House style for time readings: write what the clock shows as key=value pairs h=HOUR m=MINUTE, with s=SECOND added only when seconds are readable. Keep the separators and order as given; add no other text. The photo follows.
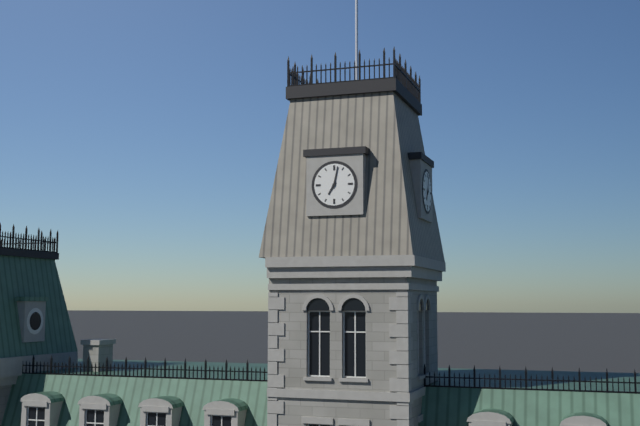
h=7 m=2
